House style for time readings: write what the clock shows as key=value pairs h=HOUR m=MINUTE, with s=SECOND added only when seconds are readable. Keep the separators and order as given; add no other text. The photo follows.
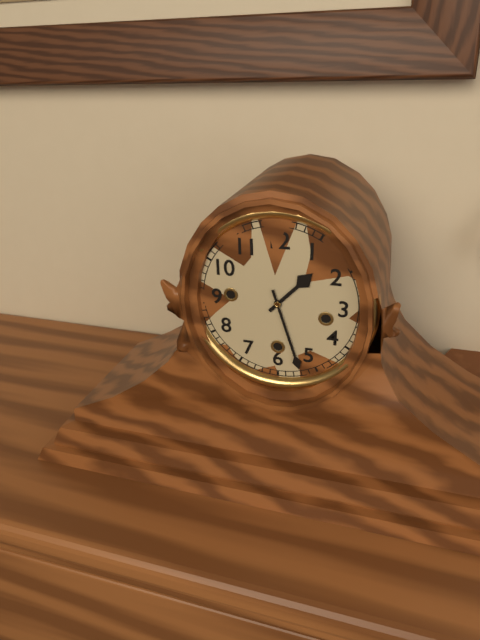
h=1 m=27
